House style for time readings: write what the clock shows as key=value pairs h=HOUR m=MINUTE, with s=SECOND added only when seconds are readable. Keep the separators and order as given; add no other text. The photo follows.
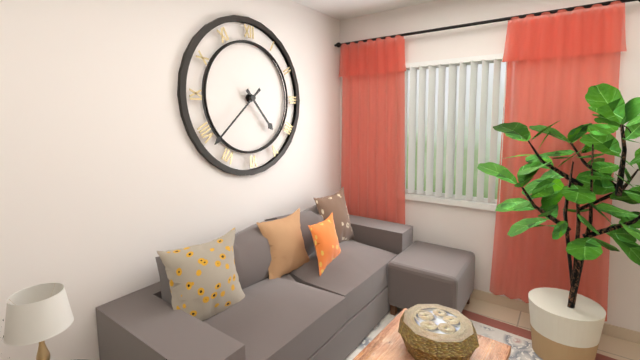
h=4 m=38
